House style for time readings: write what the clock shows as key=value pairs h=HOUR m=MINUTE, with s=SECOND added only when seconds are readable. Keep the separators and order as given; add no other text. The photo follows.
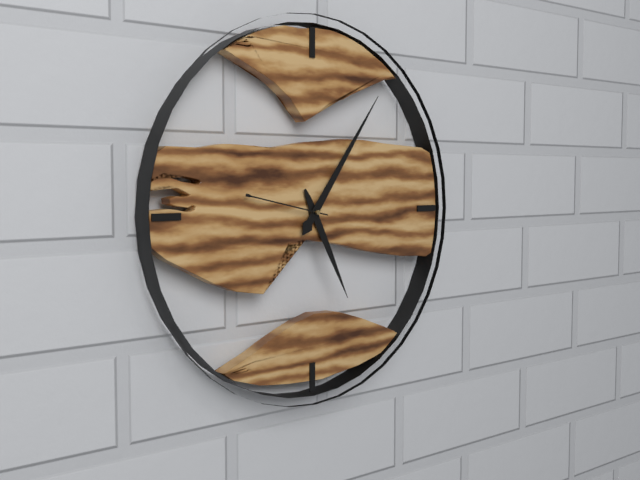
h=5 m=6 s=47
